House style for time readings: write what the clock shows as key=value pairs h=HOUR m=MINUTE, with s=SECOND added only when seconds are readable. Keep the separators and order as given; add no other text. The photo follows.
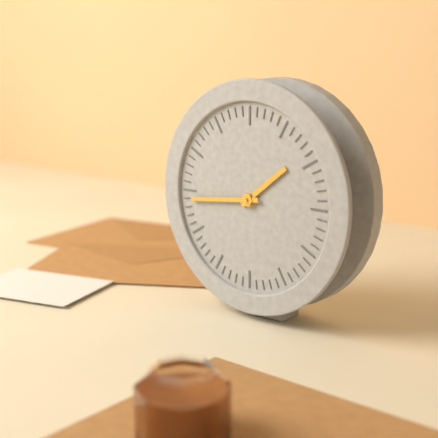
h=1 m=44
